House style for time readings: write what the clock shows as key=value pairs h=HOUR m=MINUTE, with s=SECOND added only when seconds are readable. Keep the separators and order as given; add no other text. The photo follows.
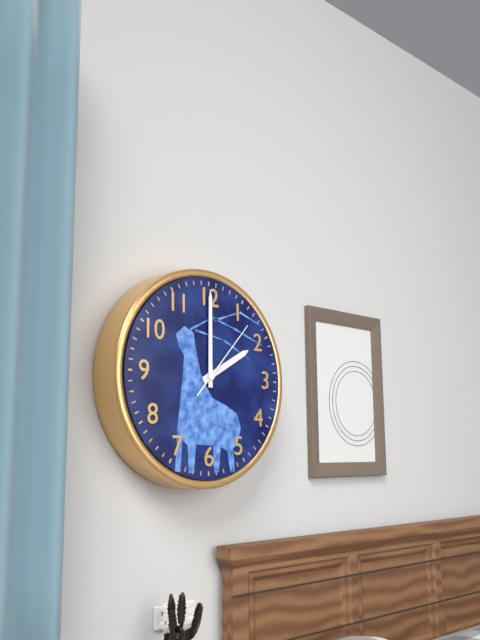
h=2 m=0 s=7
